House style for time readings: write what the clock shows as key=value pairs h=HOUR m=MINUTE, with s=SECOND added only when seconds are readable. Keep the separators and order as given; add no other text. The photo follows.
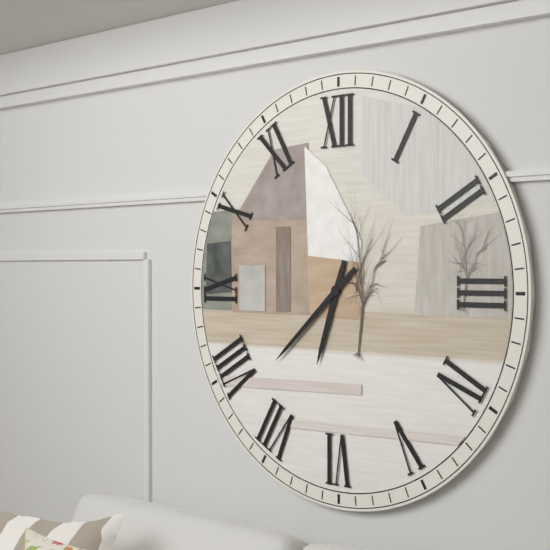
h=6 m=38
